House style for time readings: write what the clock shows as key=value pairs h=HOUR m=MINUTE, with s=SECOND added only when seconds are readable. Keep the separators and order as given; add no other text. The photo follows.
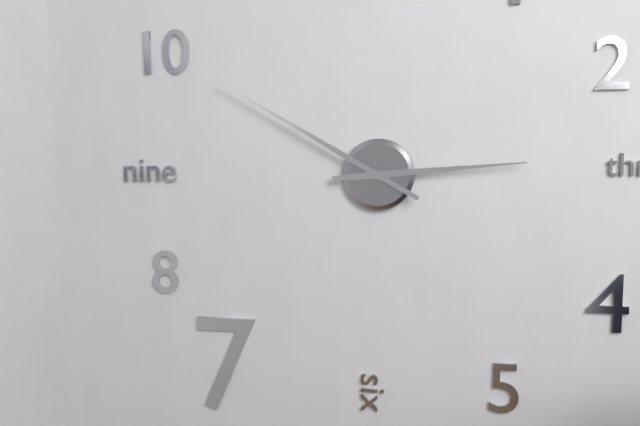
h=2 m=50
